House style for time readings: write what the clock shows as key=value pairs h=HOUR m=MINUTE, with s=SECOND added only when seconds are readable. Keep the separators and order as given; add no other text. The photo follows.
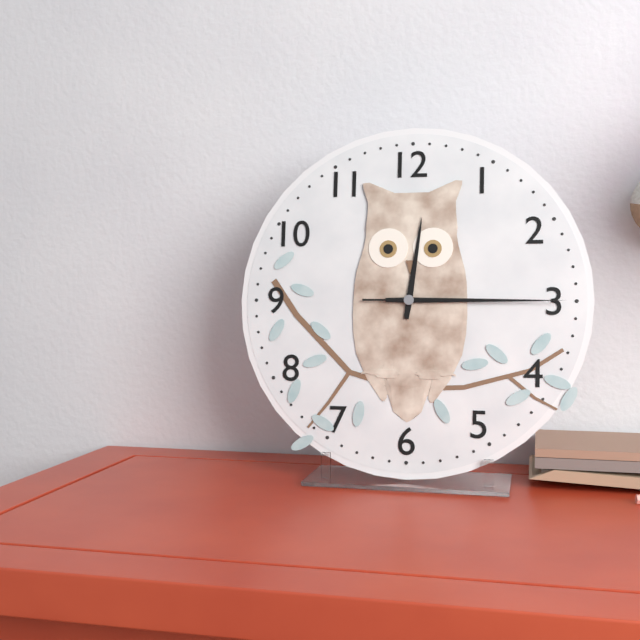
h=12 m=15 s=15
